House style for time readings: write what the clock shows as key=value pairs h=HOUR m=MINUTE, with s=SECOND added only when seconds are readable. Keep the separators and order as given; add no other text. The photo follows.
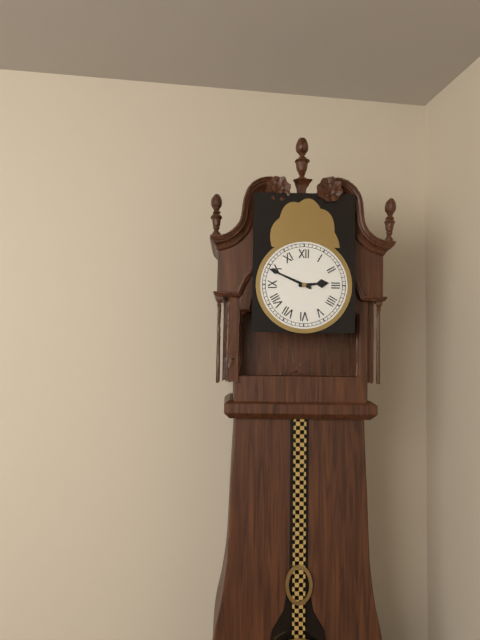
h=2 m=49
